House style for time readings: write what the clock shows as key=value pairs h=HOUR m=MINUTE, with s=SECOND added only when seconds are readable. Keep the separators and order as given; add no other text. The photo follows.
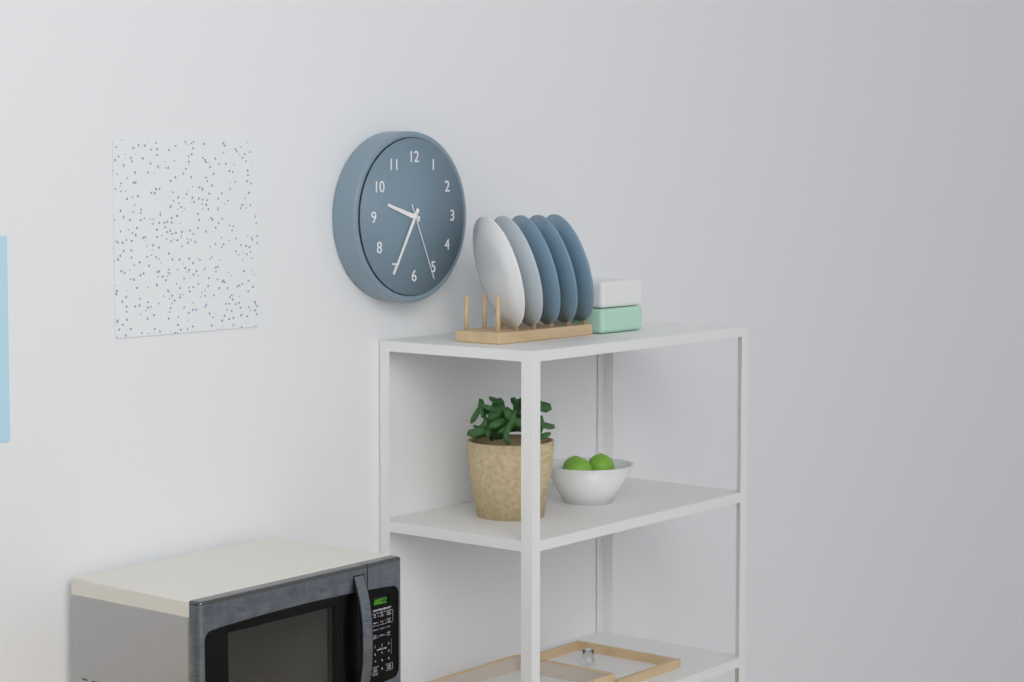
h=9 m=35 s=26
